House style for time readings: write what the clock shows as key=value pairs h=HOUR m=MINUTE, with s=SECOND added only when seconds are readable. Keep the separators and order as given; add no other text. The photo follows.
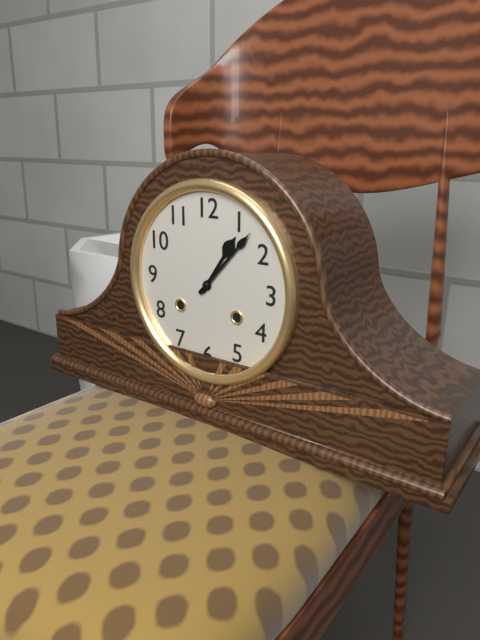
h=1 m=7
